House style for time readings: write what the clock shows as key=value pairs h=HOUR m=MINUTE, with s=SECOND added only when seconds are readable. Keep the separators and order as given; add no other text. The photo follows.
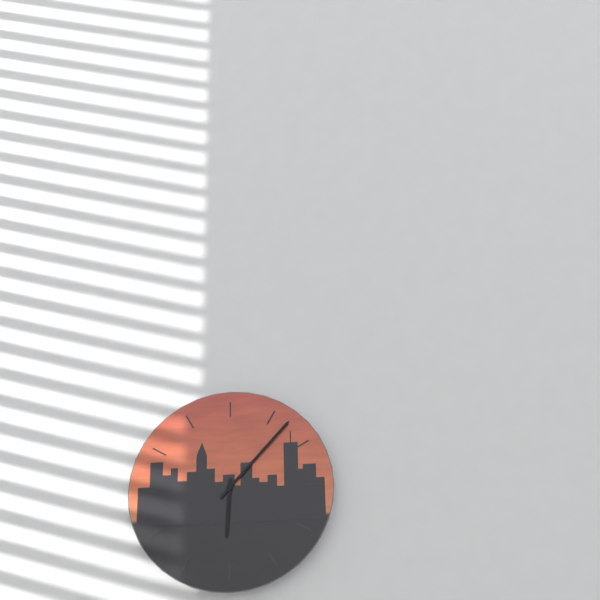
h=6 m=7
